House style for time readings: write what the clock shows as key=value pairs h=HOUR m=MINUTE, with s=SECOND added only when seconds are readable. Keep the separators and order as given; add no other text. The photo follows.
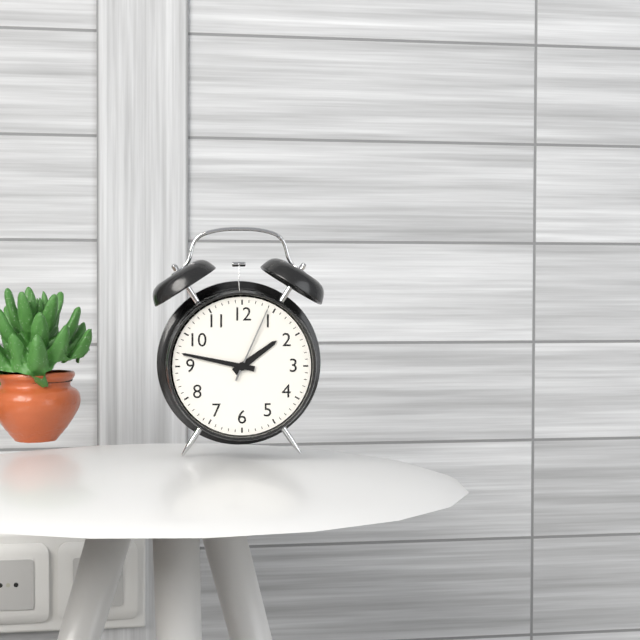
h=1 m=47 s=4
